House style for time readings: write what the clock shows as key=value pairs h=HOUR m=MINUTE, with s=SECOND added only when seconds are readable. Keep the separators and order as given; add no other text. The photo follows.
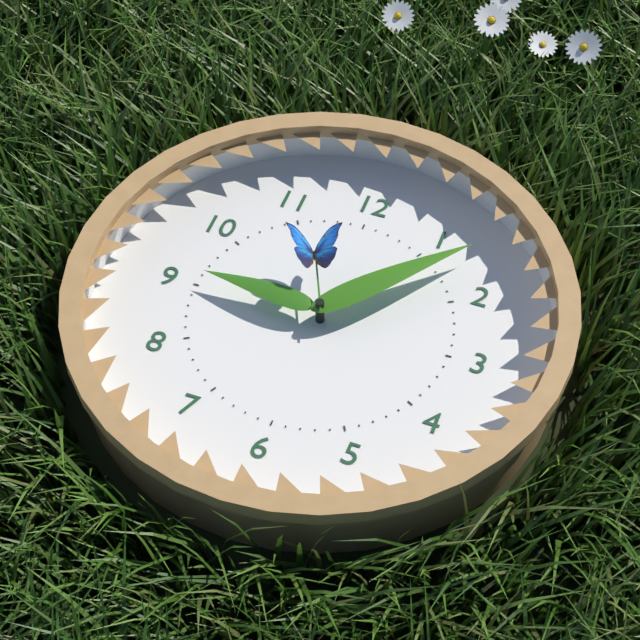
h=9 m=7 s=56
